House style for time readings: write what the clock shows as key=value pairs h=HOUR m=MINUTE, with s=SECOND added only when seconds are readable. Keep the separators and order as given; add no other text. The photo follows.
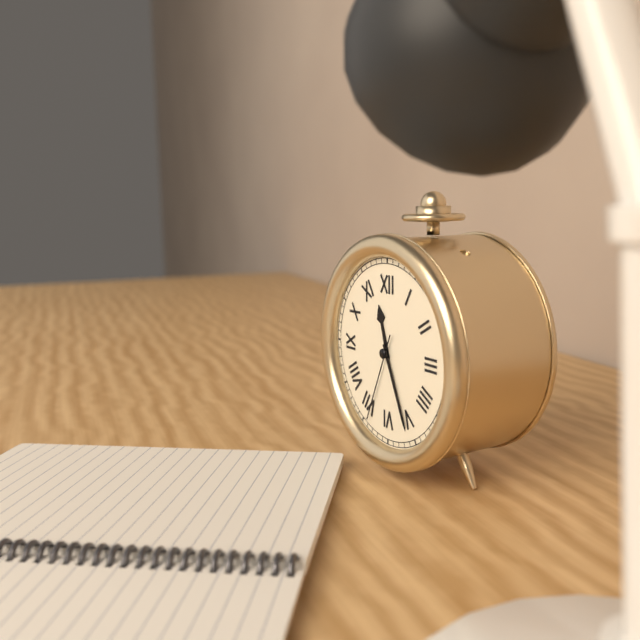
h=11 m=26 s=34
